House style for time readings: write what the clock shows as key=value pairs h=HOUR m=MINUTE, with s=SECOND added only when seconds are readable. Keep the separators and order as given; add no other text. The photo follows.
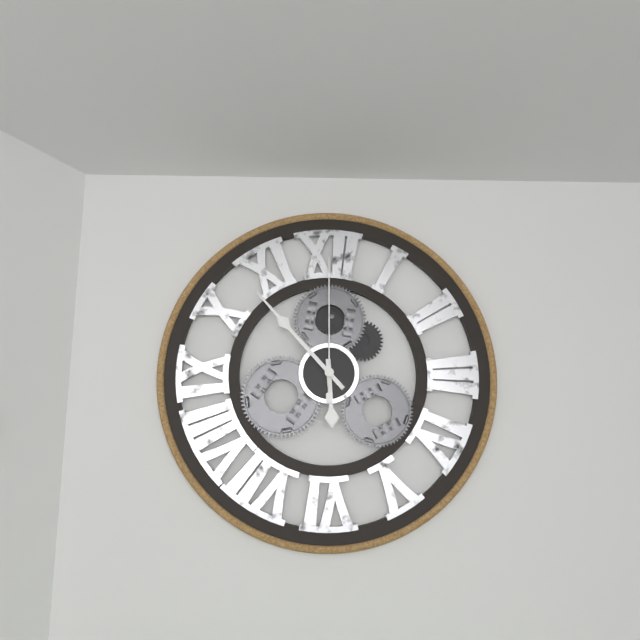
h=5 m=53 s=0
